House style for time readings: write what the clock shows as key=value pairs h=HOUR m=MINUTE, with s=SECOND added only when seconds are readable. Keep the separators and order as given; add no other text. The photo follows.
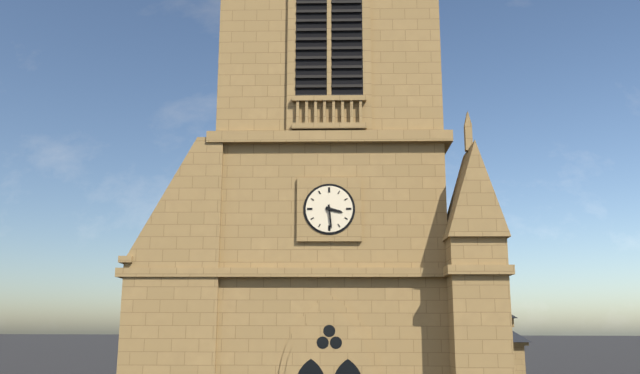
h=3 m=29
